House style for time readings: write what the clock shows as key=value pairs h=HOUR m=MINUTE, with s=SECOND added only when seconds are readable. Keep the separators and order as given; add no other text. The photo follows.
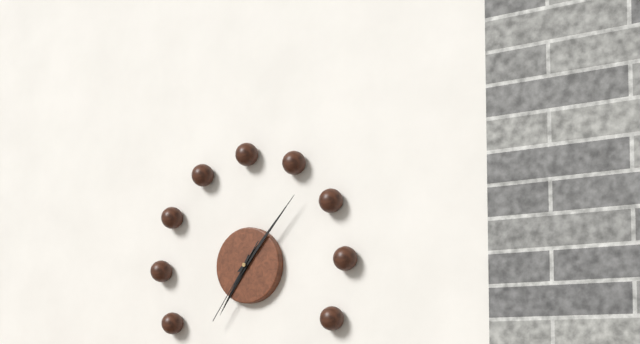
h=7 m=7 s=36
